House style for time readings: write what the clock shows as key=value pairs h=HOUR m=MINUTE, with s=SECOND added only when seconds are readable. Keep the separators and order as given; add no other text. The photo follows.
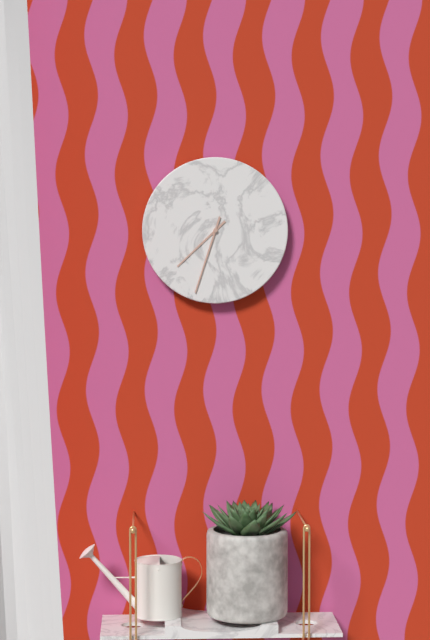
h=7 m=33
